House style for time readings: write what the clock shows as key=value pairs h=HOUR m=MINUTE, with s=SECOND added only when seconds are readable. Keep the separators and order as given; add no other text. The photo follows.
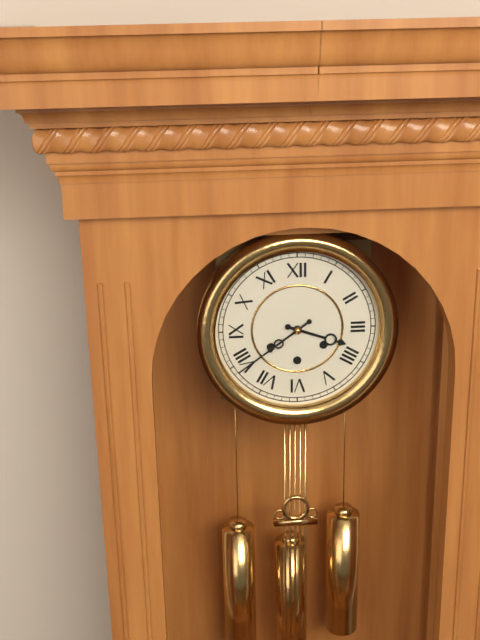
h=3 m=39
